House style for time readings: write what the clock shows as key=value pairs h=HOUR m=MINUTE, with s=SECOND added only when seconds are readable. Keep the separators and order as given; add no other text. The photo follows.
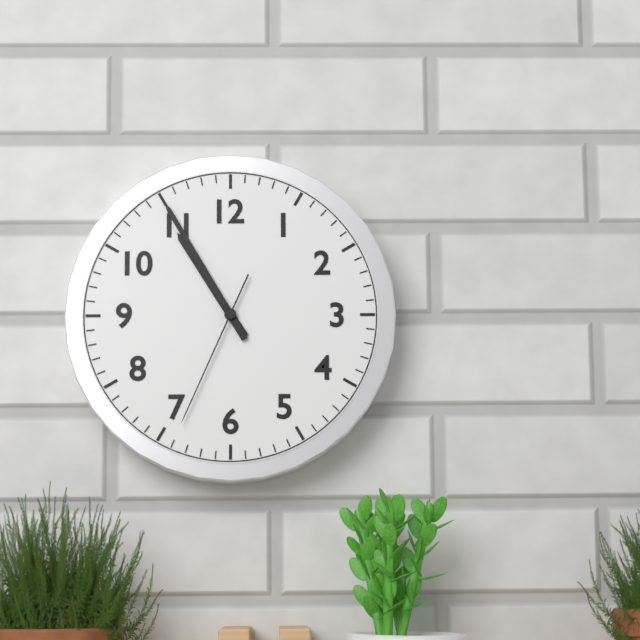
h=10 m=55 s=34
